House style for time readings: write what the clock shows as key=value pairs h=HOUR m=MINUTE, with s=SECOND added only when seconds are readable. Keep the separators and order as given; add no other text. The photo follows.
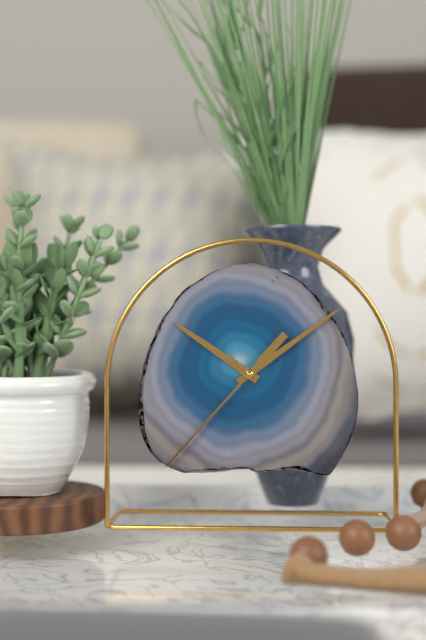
h=10 m=9 s=37
